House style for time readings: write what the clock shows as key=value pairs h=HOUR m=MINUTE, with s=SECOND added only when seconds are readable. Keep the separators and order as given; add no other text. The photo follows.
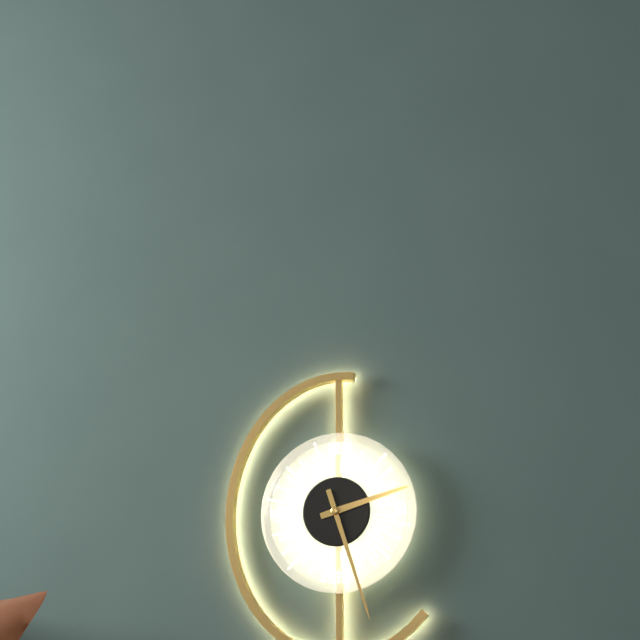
h=2 m=27
